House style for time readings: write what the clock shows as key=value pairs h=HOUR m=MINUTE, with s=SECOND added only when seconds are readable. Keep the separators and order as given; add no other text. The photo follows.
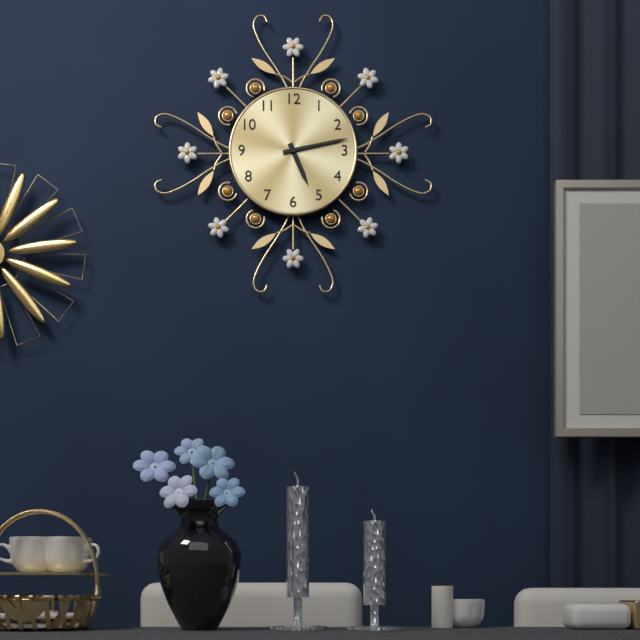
h=5 m=13
